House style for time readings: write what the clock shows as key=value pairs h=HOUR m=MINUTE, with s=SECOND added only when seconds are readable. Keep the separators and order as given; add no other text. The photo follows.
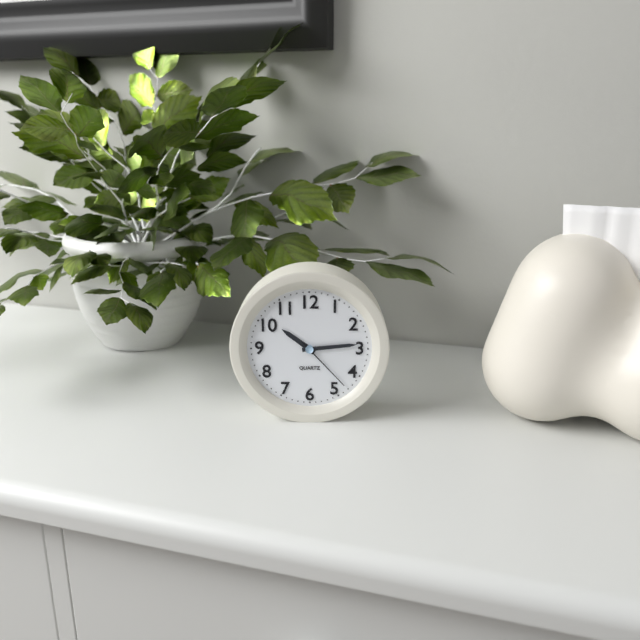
h=10 m=14 s=23
